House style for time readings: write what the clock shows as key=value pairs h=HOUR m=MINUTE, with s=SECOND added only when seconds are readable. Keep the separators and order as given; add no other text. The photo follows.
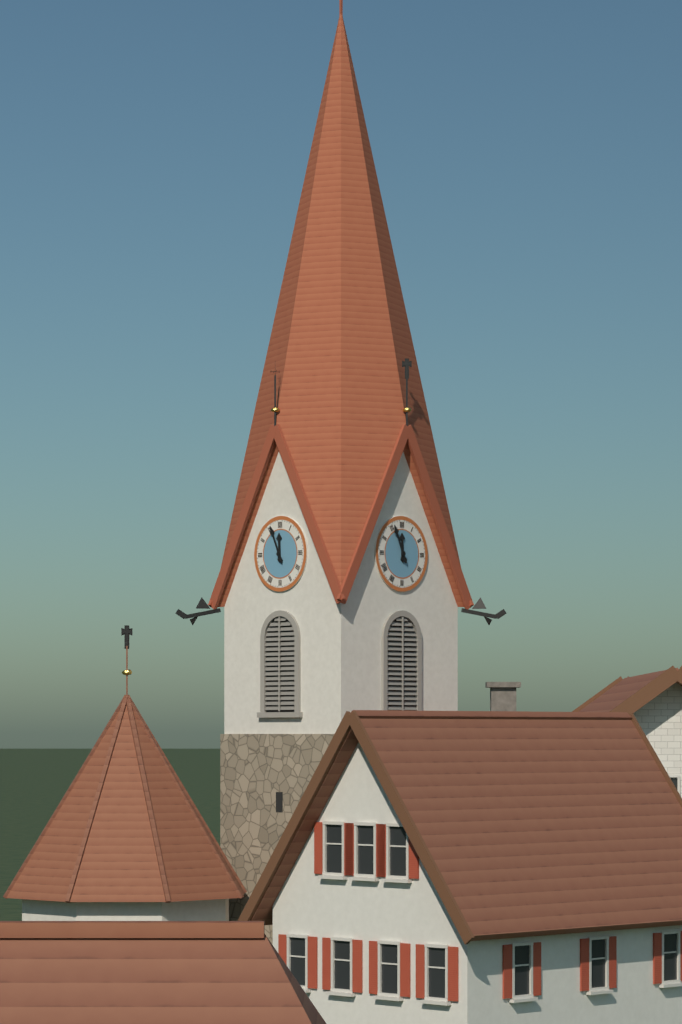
h=11 m=56
